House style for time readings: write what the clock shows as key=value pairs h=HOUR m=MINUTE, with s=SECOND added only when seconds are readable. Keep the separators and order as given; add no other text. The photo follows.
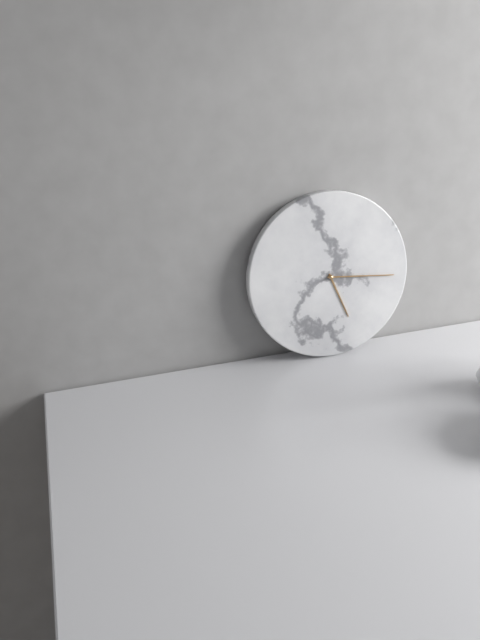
h=5 m=16
